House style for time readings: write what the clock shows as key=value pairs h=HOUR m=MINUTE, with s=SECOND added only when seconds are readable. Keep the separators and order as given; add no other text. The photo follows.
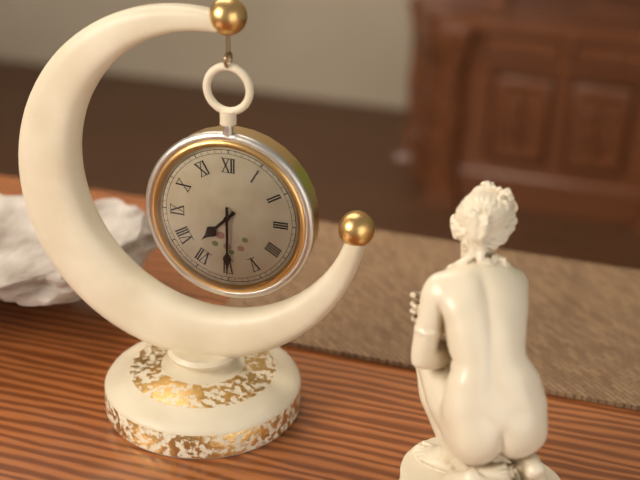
h=7 m=30
